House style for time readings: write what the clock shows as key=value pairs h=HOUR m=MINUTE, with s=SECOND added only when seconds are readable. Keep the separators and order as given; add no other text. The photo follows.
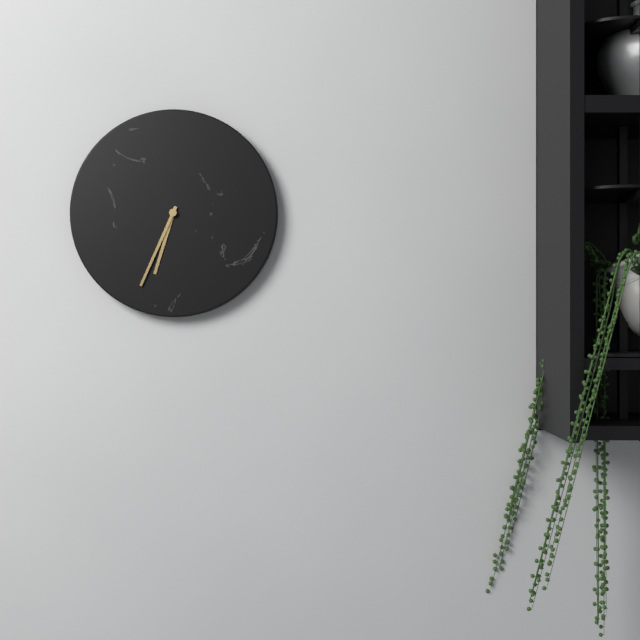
h=6 m=34
